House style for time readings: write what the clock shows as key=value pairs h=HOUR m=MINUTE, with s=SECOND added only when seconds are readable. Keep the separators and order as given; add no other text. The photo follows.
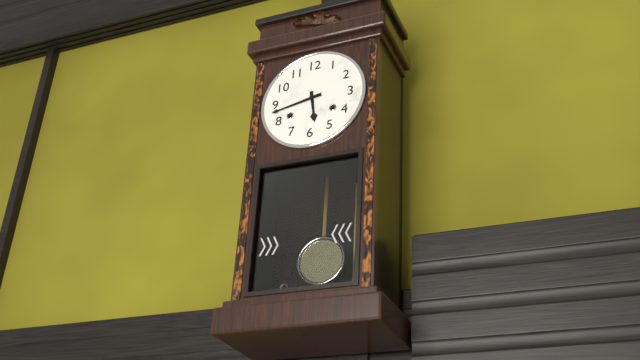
h=5 m=43
